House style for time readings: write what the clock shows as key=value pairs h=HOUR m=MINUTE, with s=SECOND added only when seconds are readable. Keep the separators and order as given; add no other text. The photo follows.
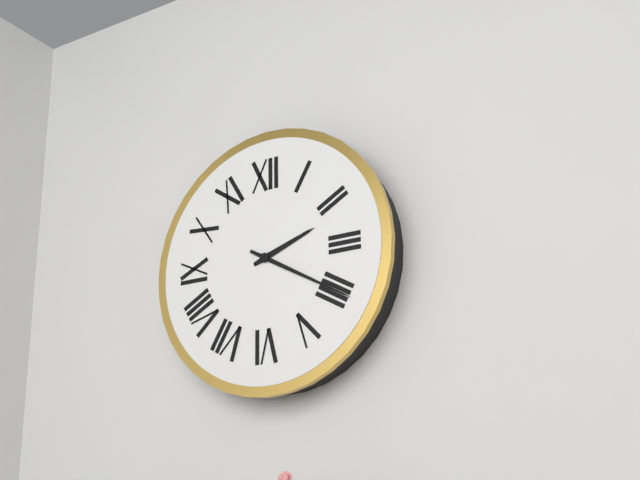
h=2 m=20
